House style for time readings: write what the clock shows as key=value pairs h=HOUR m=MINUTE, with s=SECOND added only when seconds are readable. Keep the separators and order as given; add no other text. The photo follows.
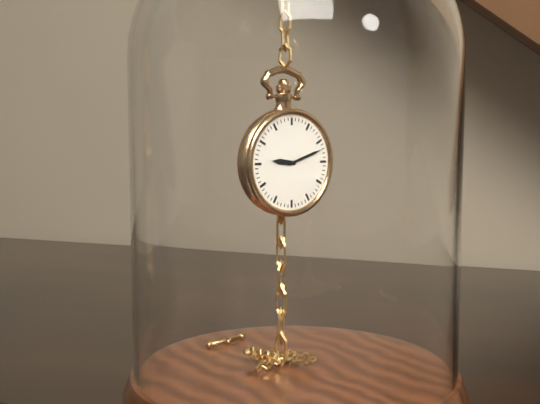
h=9 m=12
